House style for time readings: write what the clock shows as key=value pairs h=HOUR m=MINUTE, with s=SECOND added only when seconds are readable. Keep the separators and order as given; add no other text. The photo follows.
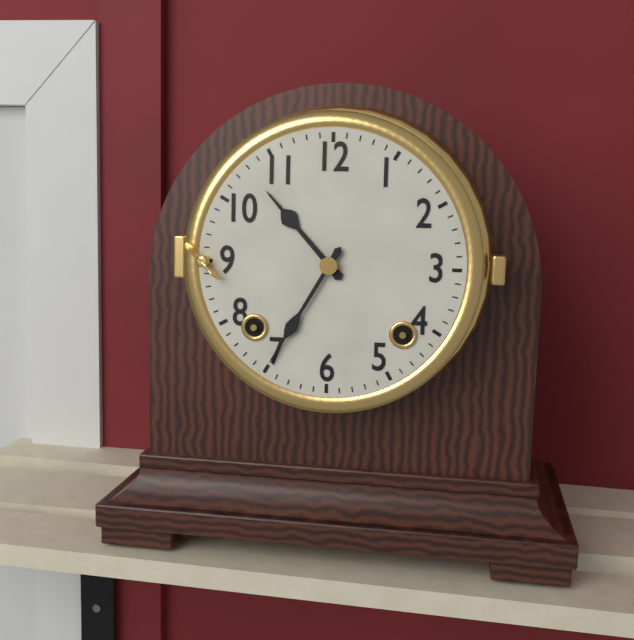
h=10 m=35
